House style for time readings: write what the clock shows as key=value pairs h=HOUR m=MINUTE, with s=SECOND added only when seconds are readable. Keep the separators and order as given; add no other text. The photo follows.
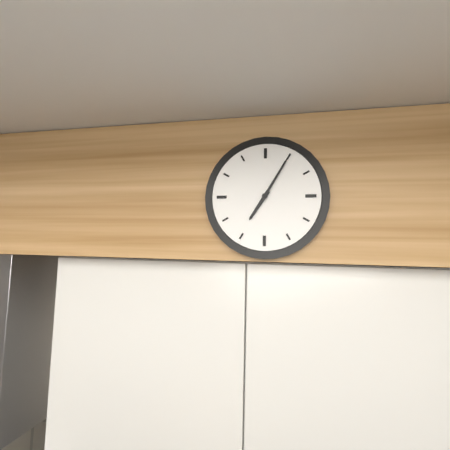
h=7 m=5
